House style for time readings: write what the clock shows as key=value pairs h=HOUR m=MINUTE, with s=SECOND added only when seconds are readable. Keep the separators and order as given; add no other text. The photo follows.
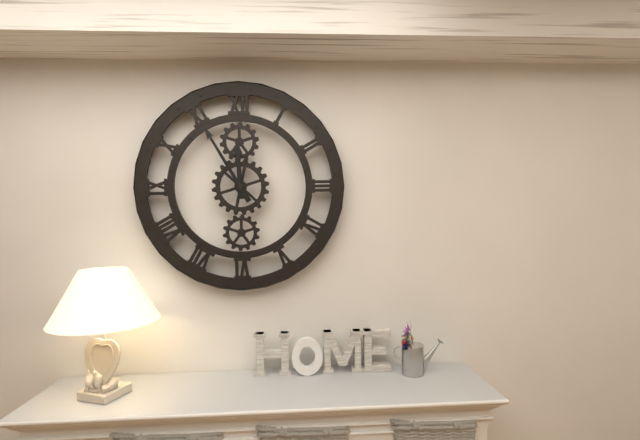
h=11 m=55
